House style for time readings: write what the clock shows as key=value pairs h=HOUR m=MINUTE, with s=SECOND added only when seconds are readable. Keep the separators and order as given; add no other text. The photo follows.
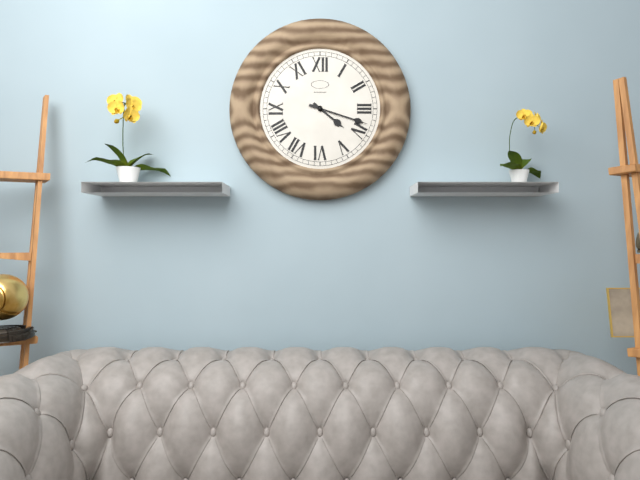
h=4 m=18
